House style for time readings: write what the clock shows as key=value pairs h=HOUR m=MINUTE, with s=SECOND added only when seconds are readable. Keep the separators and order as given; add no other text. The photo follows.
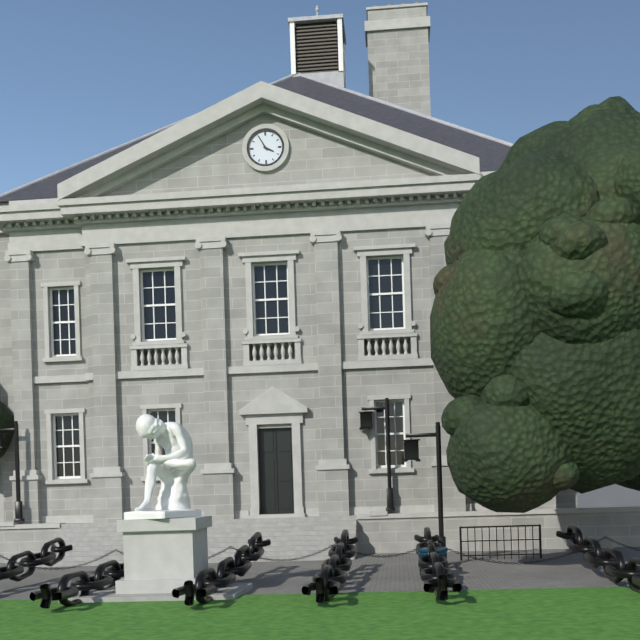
h=3 m=55
